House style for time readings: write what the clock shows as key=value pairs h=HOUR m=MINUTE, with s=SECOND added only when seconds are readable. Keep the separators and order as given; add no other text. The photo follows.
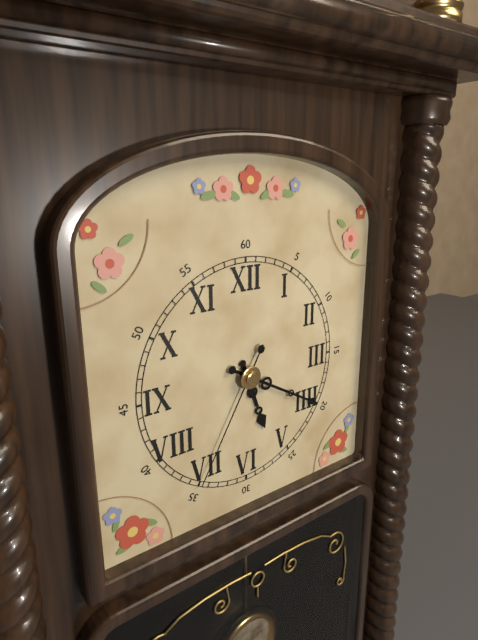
h=5 m=20 s=35
